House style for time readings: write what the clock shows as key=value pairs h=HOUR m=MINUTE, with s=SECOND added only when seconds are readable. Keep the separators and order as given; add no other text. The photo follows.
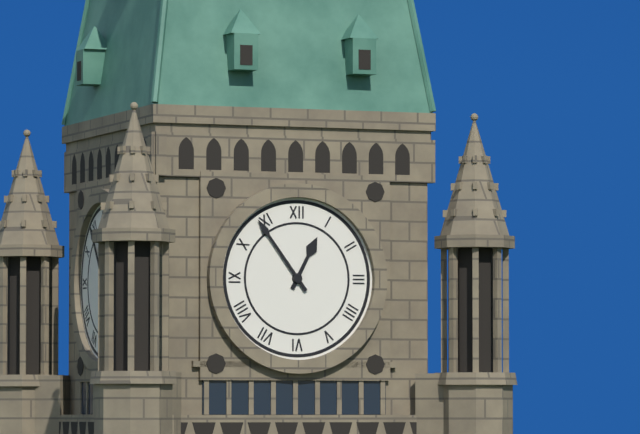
h=12 m=54
